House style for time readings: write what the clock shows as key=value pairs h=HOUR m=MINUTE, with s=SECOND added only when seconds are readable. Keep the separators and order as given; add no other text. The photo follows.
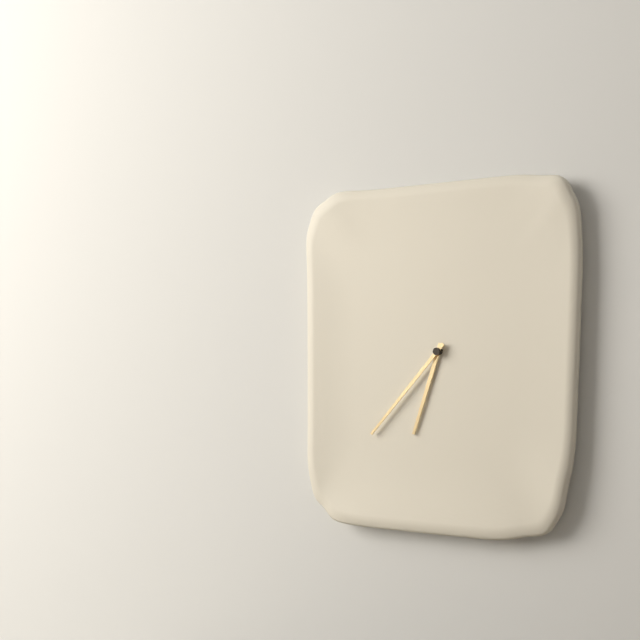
h=6 m=37
